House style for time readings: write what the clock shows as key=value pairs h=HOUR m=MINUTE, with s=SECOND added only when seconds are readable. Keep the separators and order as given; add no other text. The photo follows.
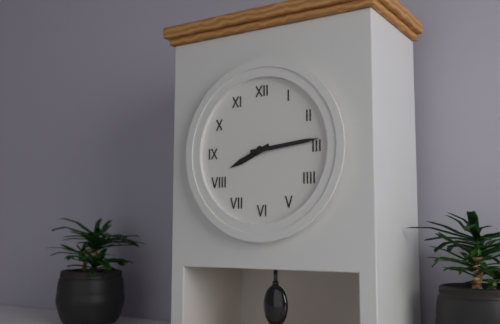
h=8 m=14
